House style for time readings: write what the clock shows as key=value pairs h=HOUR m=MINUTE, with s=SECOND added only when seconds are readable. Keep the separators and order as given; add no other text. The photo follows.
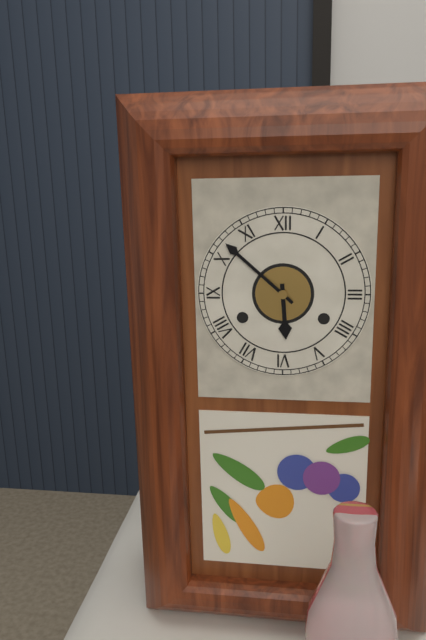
h=5 m=52
